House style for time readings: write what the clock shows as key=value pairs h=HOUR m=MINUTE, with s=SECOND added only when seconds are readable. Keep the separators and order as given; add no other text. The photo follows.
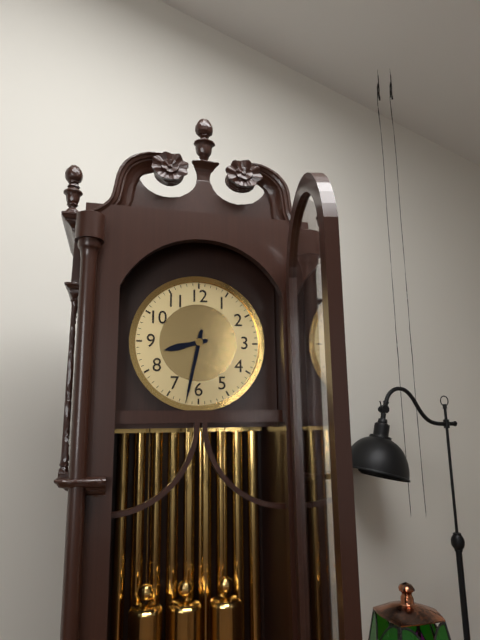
h=8 m=32
